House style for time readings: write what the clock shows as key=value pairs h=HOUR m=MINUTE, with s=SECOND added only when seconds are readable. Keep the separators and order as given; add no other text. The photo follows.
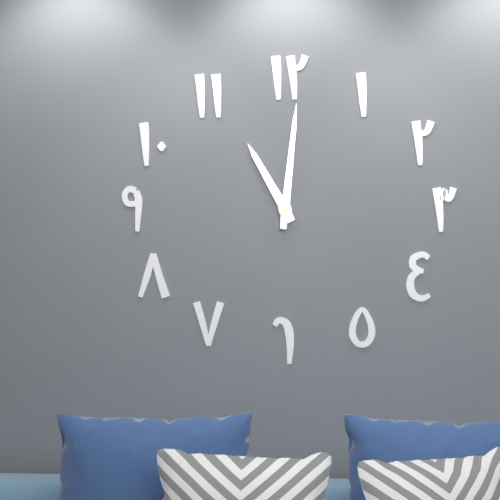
h=11 m=1
